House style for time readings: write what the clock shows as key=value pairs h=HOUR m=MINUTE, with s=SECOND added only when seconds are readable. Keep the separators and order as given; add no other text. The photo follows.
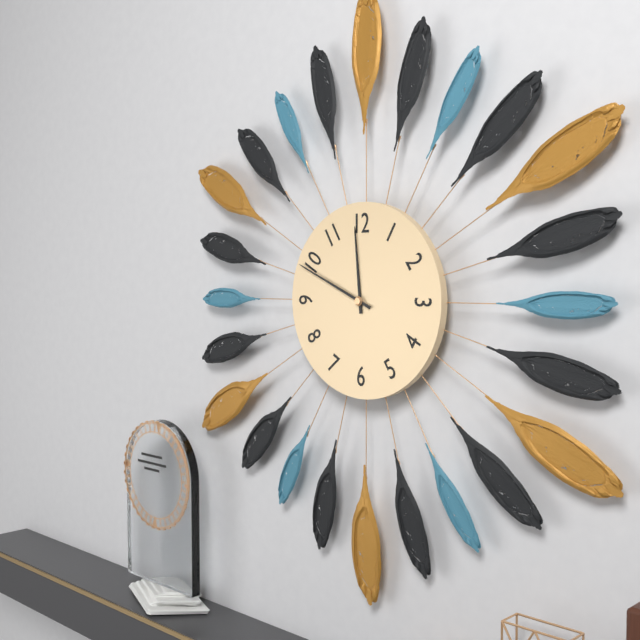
h=11 m=49
